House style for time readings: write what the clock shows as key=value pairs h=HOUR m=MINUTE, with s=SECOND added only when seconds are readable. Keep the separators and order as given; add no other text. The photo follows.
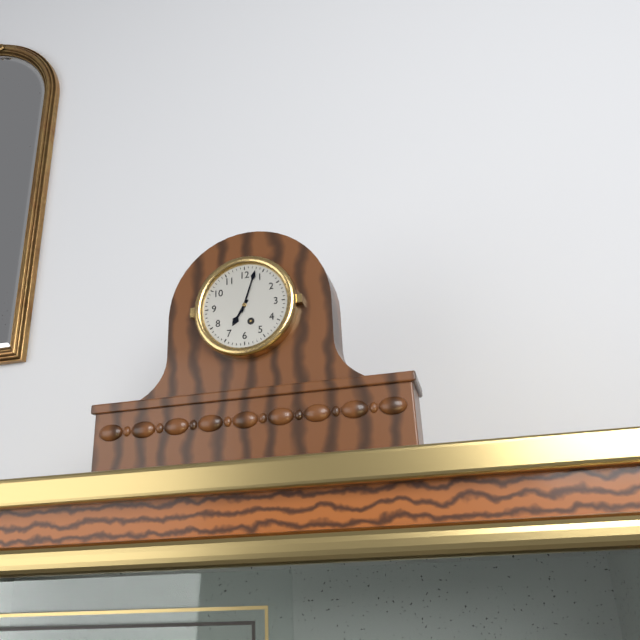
h=7 m=3
